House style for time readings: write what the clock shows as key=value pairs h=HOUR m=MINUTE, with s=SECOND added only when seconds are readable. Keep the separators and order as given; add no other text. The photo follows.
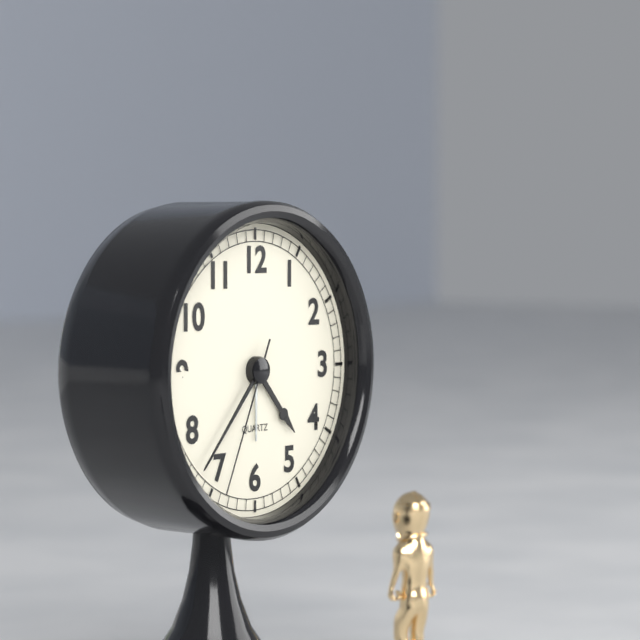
h=4 m=37 s=34
